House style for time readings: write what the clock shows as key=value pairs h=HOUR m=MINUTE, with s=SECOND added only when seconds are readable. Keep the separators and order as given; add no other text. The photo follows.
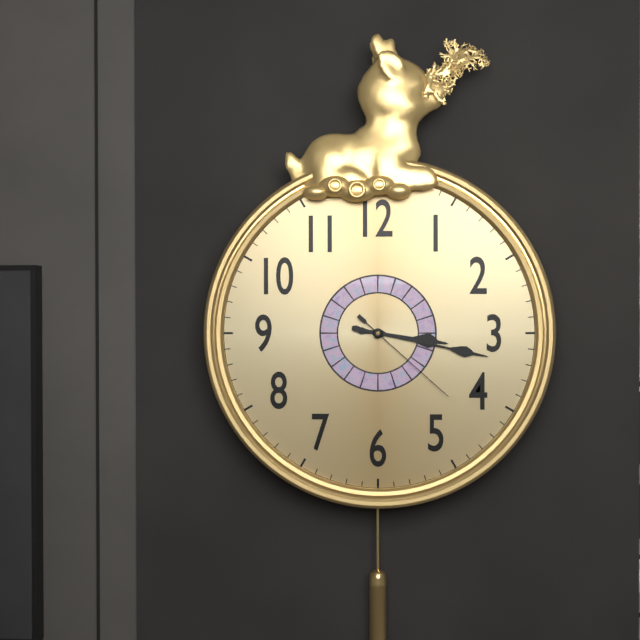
h=3 m=17 s=22
